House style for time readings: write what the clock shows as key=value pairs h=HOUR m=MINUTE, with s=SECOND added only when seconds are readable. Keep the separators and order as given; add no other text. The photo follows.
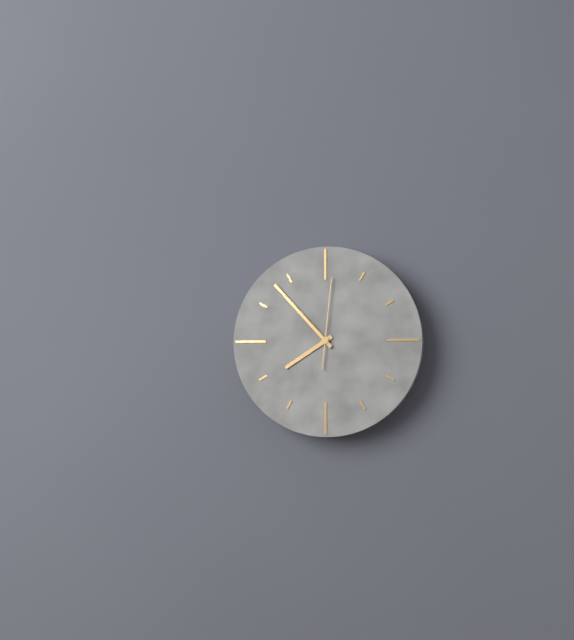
h=7 m=53 s=1
